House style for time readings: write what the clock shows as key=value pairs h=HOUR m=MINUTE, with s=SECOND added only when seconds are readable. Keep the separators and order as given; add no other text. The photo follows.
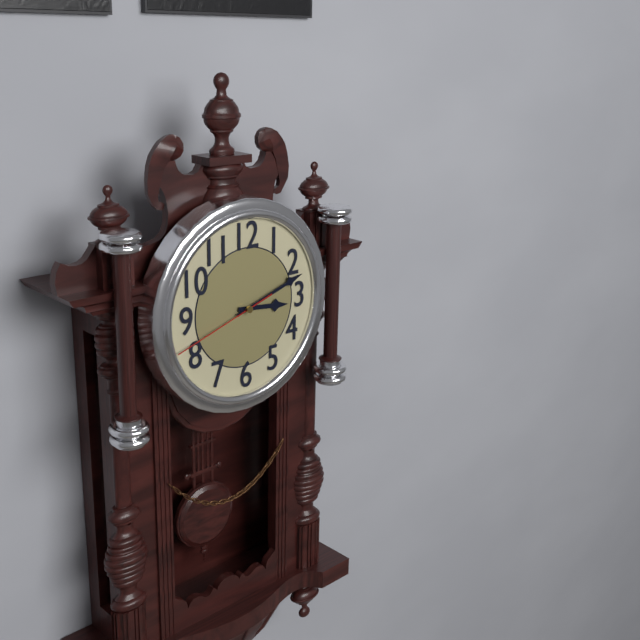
h=3 m=12 s=42
